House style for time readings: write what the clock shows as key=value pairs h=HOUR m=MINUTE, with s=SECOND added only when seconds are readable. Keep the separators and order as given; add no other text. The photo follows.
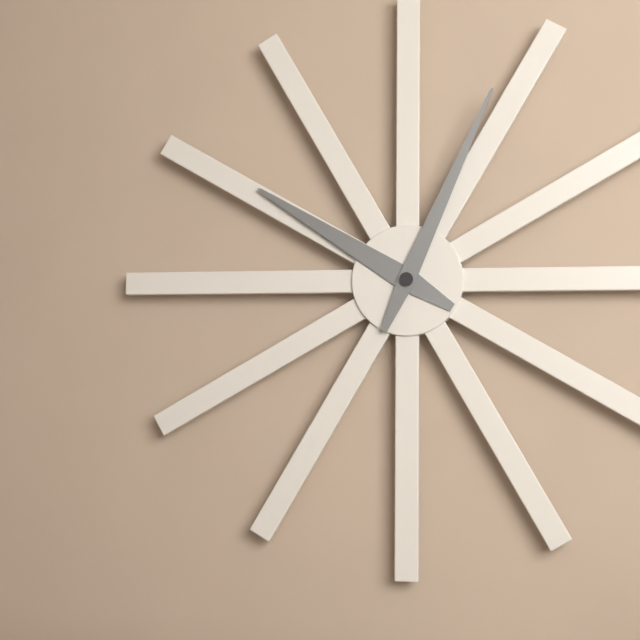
h=10 m=4
